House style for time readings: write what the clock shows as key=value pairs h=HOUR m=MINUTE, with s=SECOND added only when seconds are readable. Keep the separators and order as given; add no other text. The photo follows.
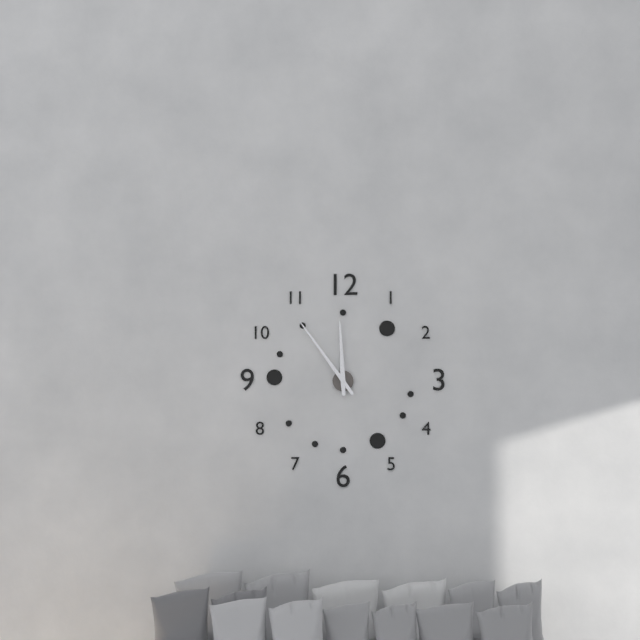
h=11 m=54
